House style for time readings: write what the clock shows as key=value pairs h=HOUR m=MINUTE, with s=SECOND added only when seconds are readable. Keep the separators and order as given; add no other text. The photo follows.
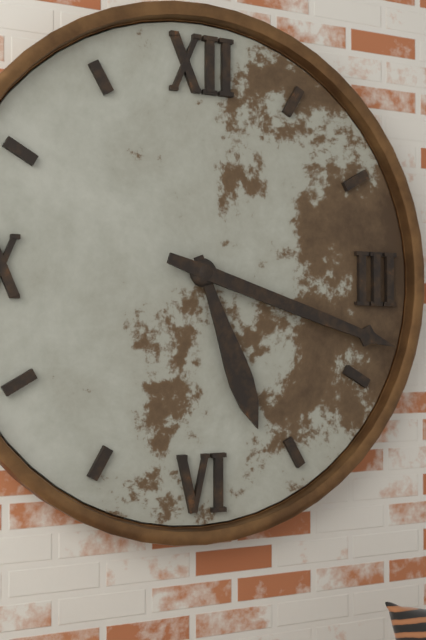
h=5 m=18
